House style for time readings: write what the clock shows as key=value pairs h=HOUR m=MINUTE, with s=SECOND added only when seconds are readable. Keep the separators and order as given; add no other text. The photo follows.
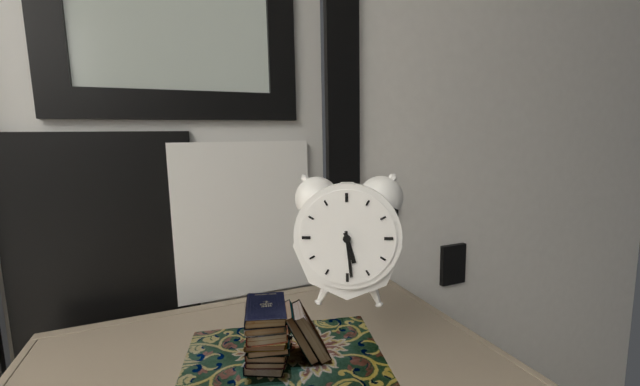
h=5 m=29
